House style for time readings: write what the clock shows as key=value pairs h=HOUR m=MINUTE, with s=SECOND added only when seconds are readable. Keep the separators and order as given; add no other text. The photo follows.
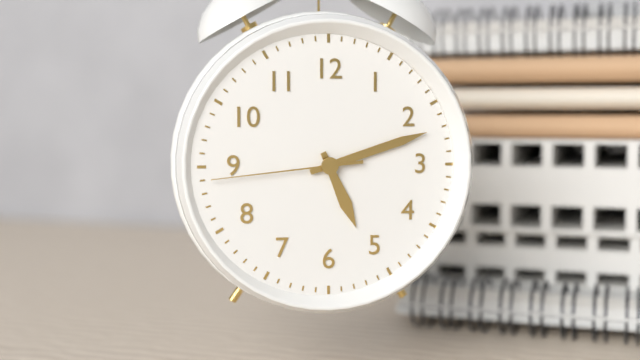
h=5 m=12 s=44
